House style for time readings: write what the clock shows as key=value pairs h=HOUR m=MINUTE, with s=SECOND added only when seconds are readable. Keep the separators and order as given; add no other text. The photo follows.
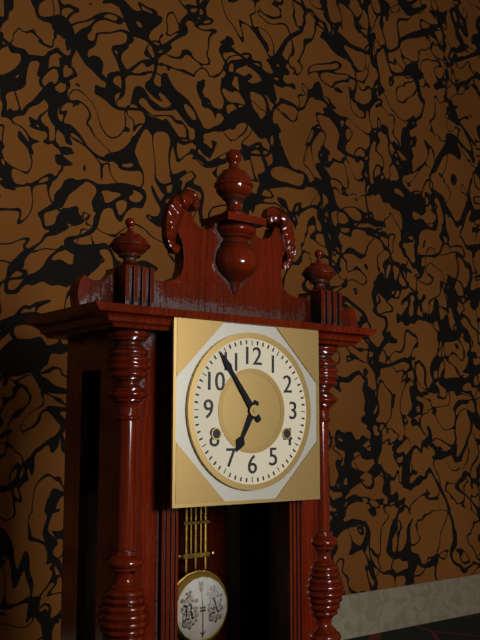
h=6 m=54
